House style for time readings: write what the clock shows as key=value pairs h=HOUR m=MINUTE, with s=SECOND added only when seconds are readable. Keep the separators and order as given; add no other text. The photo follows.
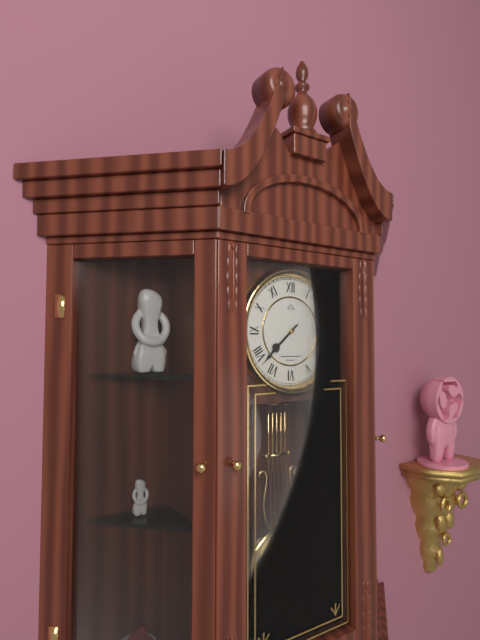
h=7 m=38
